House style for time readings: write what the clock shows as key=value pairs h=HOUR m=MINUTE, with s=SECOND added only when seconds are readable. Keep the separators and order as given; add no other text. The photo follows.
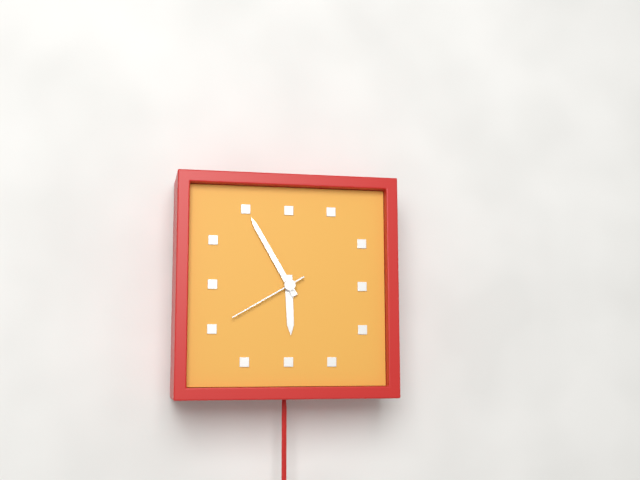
h=5 m=55 s=40
